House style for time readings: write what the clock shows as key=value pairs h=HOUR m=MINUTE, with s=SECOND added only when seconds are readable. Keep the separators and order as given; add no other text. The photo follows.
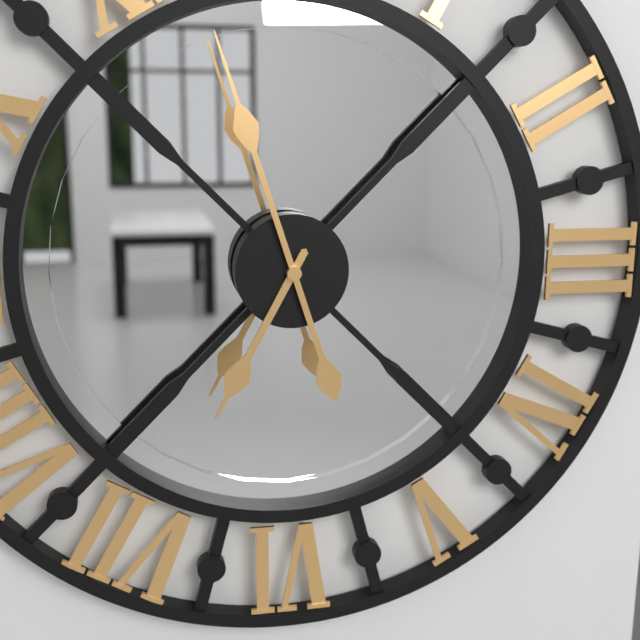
h=6 m=57
